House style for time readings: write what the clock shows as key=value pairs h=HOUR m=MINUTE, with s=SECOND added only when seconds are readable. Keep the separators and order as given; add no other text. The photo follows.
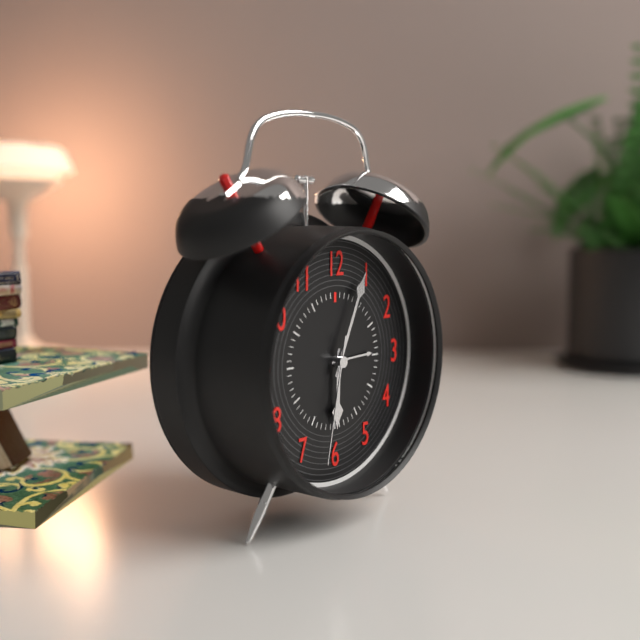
h=6 m=4 s=32
